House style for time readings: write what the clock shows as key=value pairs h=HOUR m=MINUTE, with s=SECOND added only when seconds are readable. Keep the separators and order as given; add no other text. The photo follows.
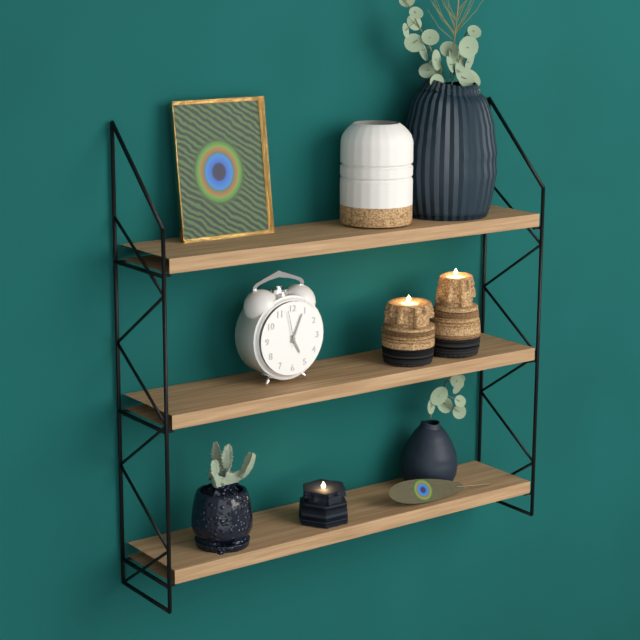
h=5 m=4
